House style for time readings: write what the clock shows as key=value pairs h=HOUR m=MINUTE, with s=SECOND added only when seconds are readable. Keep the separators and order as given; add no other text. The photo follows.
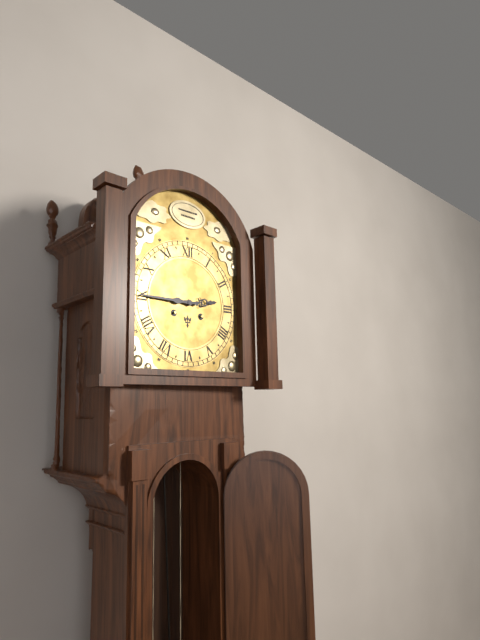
h=2 m=45
